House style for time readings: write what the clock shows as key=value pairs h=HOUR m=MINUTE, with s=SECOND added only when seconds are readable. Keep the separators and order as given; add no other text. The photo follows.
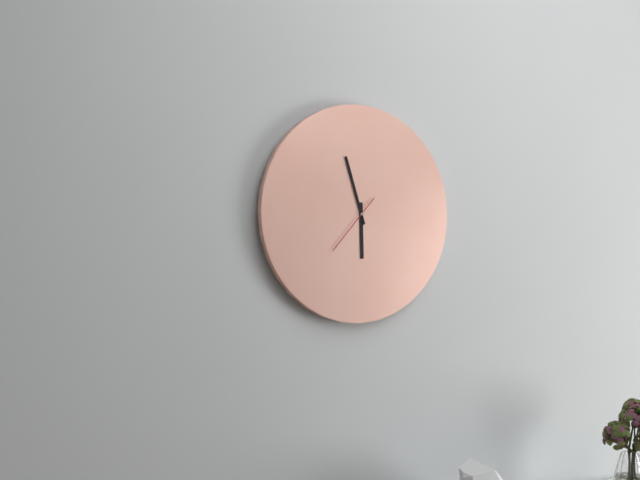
h=5 m=57 s=37
